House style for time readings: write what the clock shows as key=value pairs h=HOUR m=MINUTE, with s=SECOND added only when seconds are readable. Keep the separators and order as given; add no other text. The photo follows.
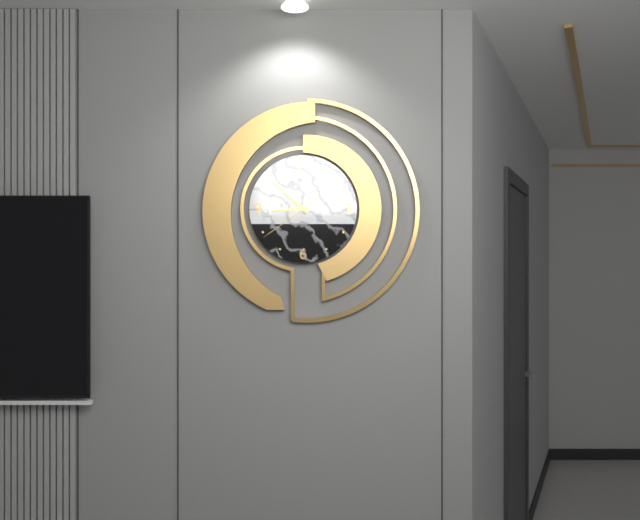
h=8 m=52 s=39
